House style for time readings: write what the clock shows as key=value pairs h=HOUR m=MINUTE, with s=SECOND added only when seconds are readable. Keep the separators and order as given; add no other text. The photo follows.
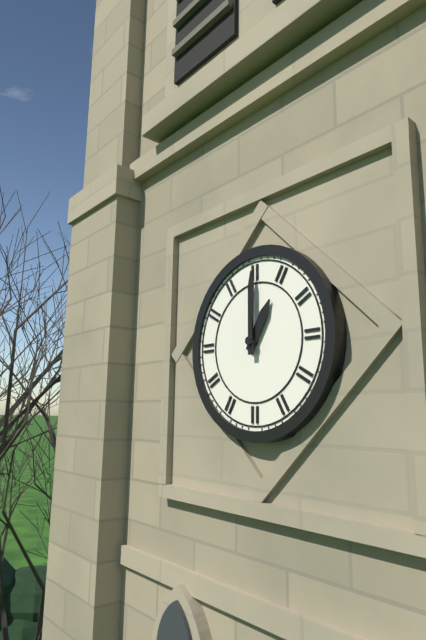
h=1 m=0
